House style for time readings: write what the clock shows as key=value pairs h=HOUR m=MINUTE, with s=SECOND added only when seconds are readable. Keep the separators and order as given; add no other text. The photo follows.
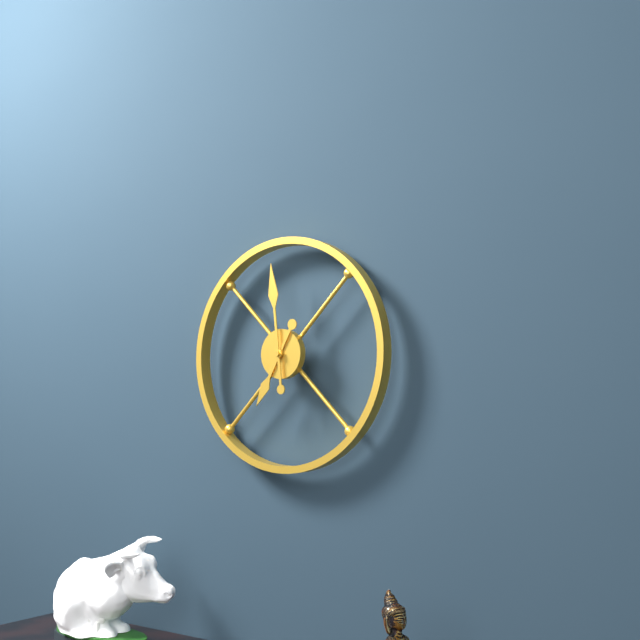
h=6 m=59
